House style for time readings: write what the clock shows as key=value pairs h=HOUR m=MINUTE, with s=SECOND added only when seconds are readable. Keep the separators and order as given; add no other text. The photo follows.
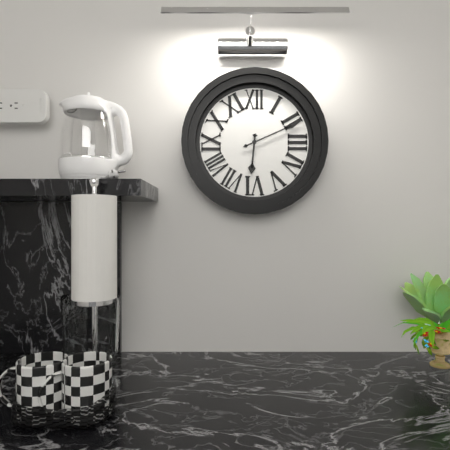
h=6 m=11
